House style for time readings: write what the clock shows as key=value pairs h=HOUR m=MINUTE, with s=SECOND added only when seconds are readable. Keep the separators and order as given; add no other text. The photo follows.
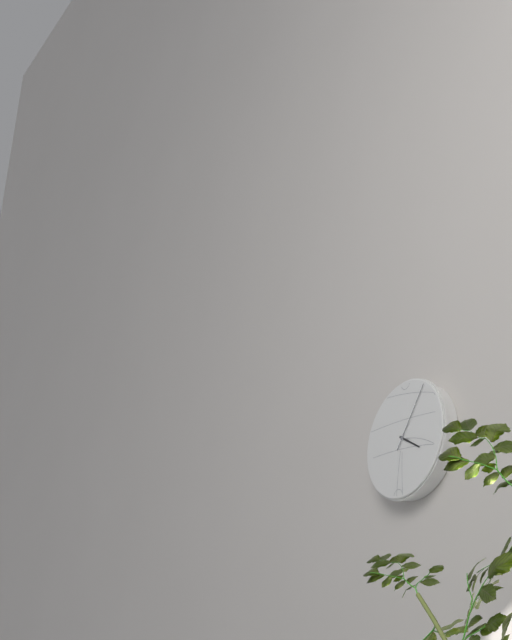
h=4 m=6
